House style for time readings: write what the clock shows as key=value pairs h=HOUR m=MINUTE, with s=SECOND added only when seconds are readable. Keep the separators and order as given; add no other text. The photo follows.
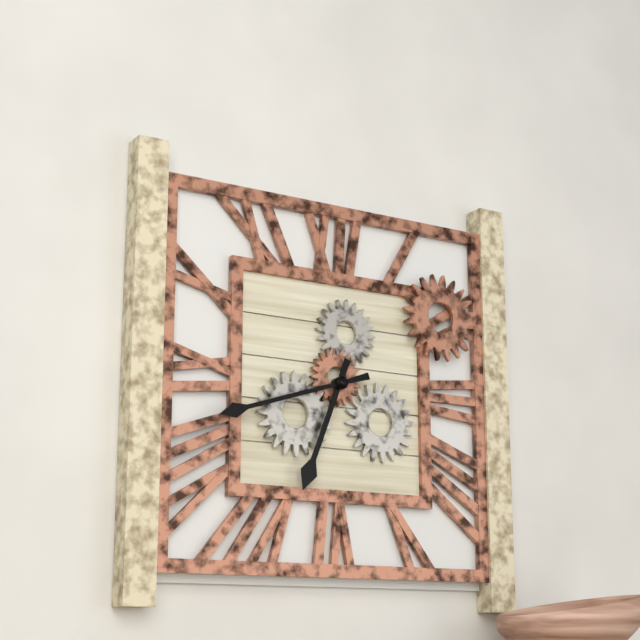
h=6 m=42
